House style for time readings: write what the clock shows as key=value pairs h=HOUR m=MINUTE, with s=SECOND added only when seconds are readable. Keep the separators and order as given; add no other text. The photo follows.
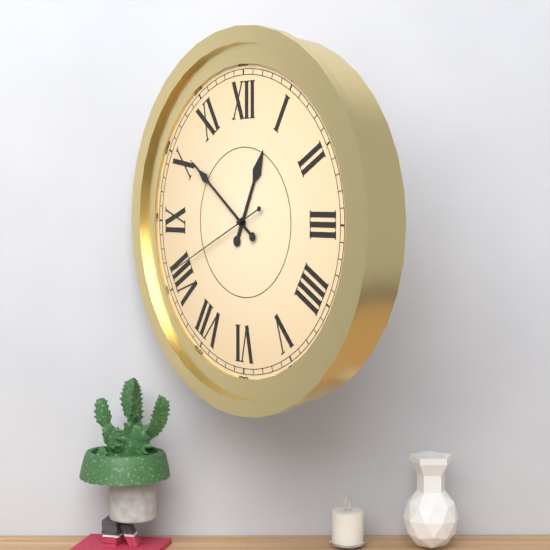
h=12 m=51 s=41
